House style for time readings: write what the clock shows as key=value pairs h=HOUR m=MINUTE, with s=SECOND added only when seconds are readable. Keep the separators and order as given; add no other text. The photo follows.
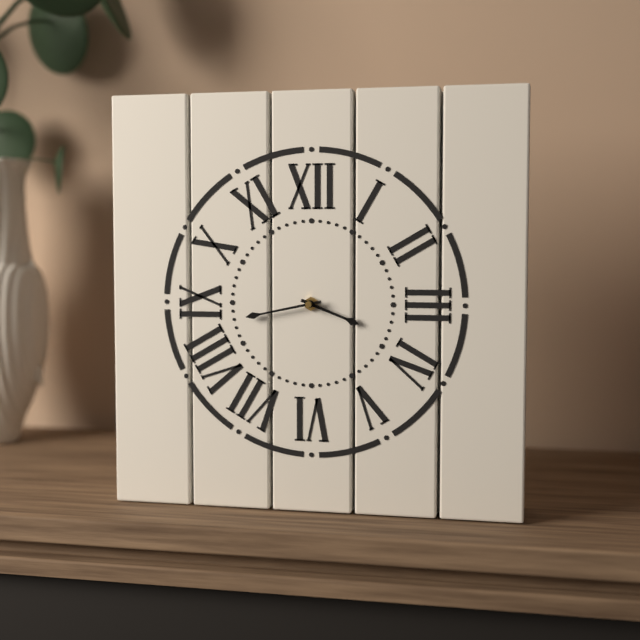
h=3 m=43
